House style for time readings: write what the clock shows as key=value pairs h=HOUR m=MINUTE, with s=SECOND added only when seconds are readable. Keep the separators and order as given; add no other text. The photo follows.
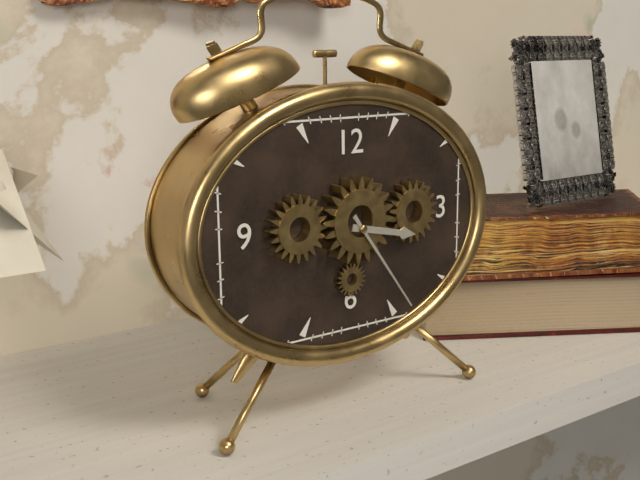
h=3 m=24
